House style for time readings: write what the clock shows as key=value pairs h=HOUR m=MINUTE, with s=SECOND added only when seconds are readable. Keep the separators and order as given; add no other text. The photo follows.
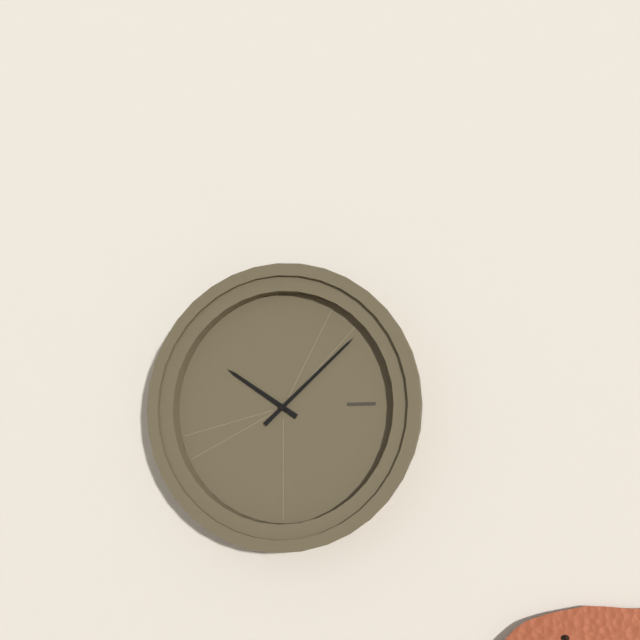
h=10 m=8
